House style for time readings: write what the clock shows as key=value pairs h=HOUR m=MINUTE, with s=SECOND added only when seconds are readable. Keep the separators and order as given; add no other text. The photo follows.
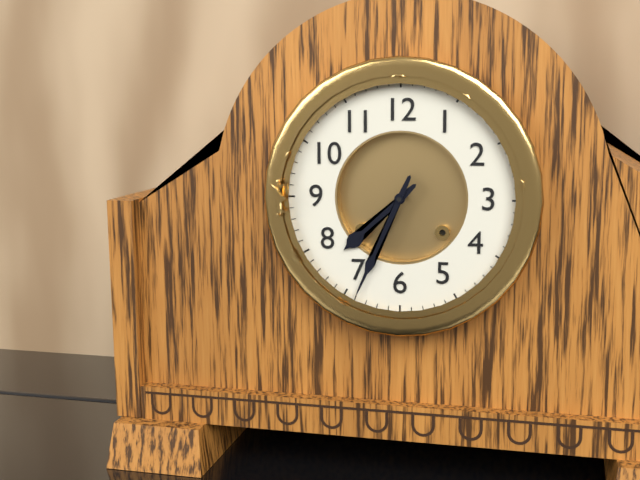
h=7 m=34
